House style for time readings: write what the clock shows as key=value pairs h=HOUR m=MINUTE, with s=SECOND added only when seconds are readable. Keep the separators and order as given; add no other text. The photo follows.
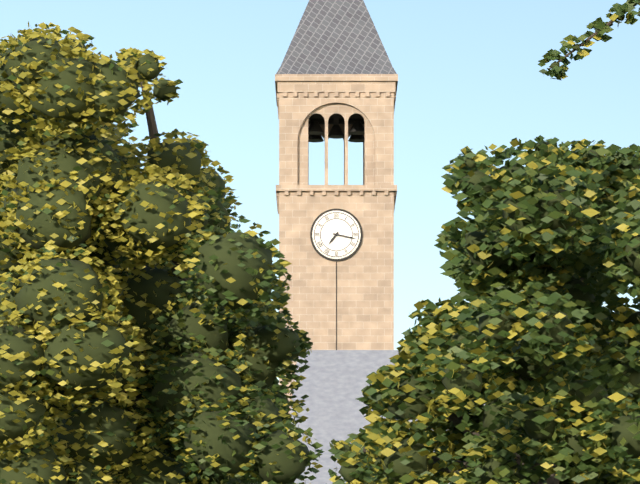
h=7 m=17
